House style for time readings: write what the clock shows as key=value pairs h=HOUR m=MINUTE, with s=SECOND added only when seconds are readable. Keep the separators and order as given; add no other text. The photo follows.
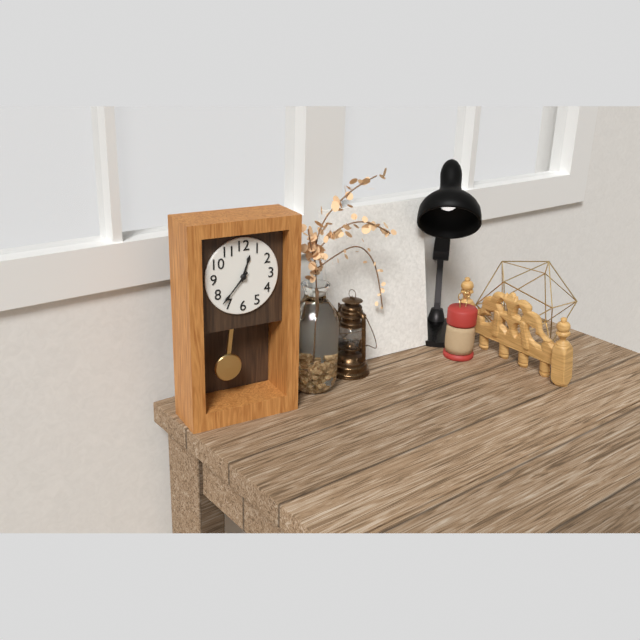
h=12 m=37
